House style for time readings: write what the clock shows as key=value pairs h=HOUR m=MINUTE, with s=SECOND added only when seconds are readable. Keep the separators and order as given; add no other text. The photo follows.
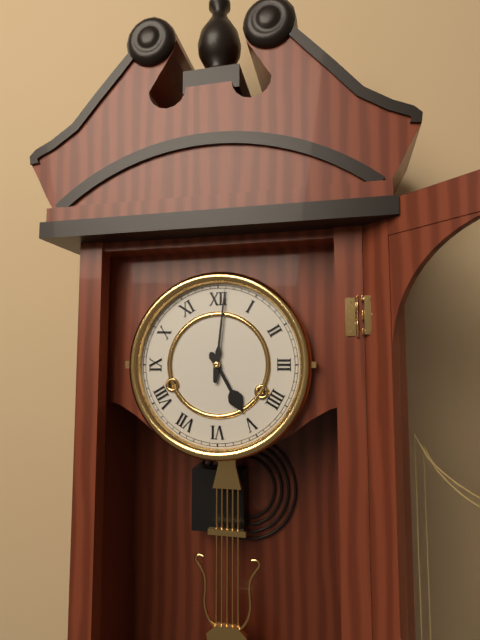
h=5 m=1
